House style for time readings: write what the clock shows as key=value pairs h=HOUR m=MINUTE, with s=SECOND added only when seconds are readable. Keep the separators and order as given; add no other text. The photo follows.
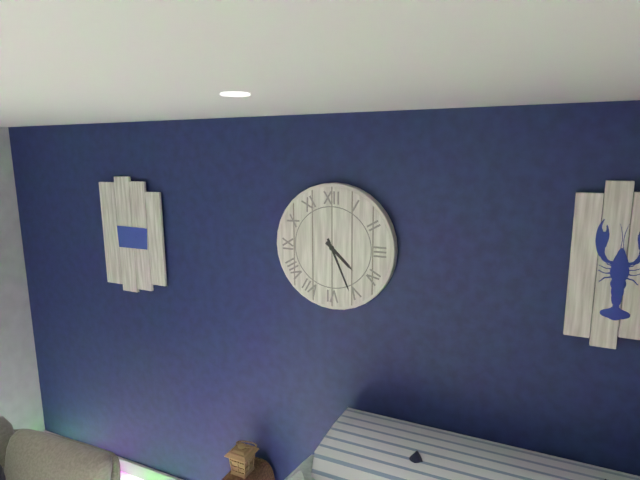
h=4 m=26
